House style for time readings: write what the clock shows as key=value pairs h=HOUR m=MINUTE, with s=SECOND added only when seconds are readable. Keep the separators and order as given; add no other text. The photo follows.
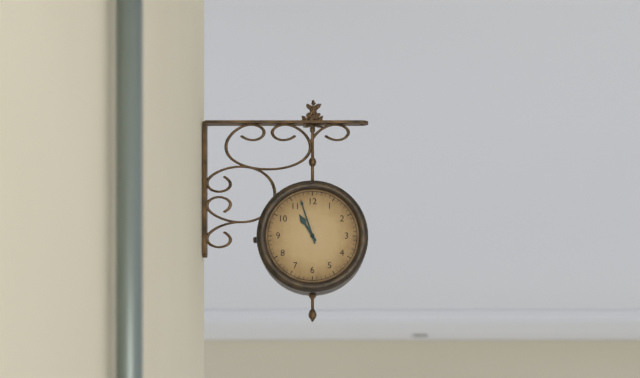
h=10 m=57
